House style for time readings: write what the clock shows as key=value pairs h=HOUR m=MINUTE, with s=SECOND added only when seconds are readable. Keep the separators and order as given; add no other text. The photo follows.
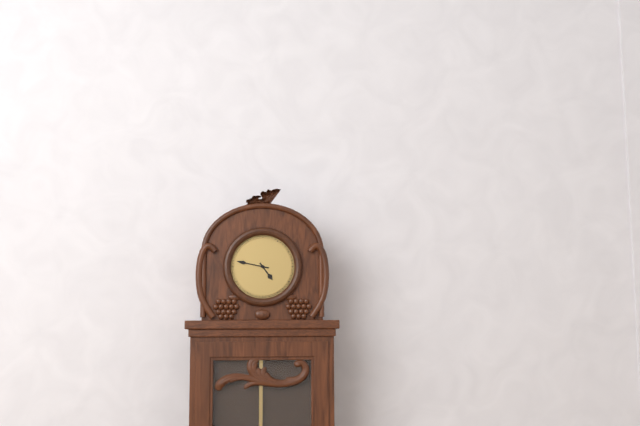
h=4 m=47
